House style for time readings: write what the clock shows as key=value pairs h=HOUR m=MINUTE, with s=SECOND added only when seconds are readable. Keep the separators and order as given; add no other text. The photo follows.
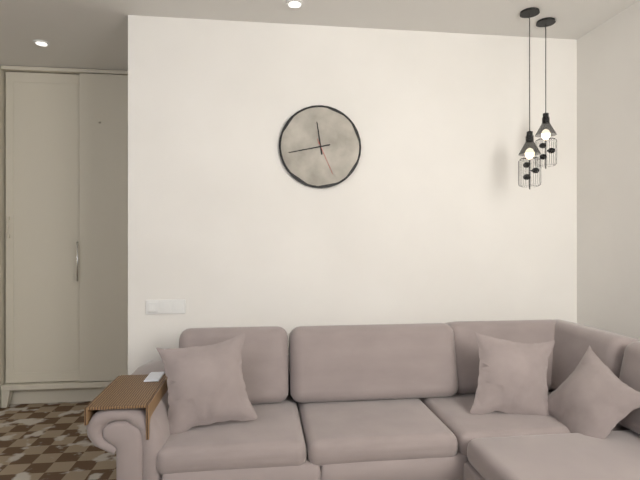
h=11 m=43
